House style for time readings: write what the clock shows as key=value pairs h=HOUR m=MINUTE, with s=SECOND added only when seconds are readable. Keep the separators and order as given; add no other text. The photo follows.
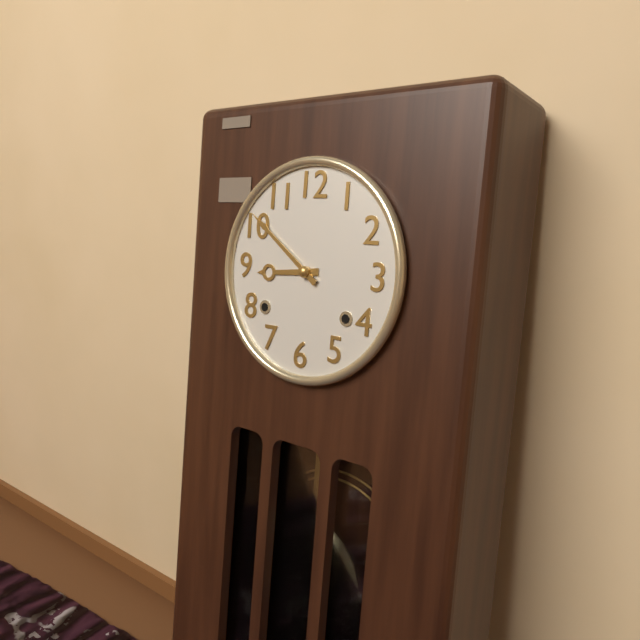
h=8 m=51
